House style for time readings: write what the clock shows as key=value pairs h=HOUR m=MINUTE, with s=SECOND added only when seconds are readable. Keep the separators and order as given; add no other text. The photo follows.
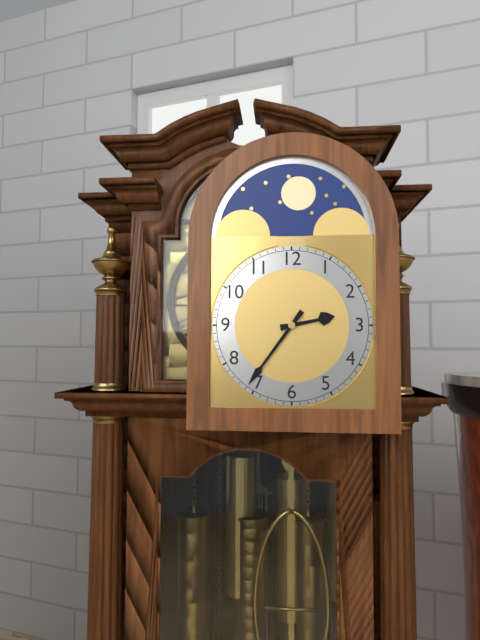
h=2 m=36
